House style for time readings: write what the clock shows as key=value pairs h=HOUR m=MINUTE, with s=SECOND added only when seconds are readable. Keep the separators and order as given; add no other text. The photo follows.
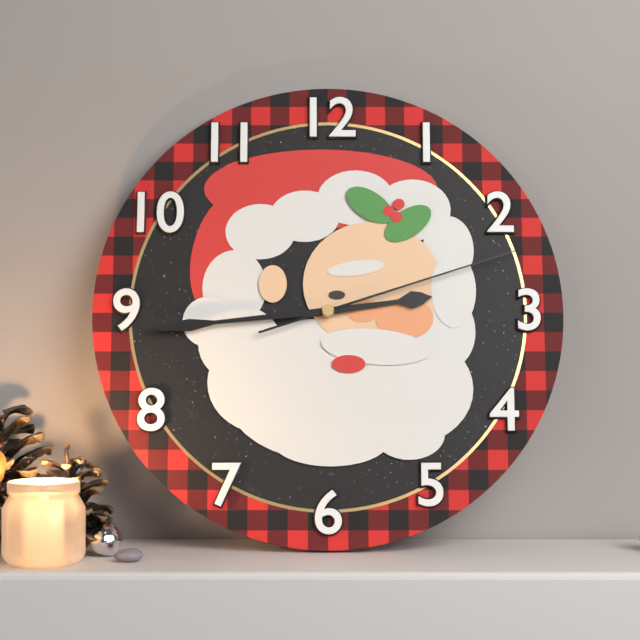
h=2 m=44 s=12
